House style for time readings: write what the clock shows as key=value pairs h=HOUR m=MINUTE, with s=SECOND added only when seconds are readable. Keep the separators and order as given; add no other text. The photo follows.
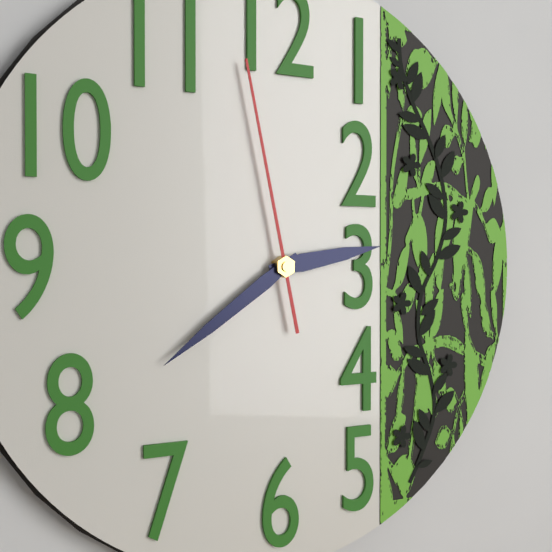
h=2 m=39 s=58
